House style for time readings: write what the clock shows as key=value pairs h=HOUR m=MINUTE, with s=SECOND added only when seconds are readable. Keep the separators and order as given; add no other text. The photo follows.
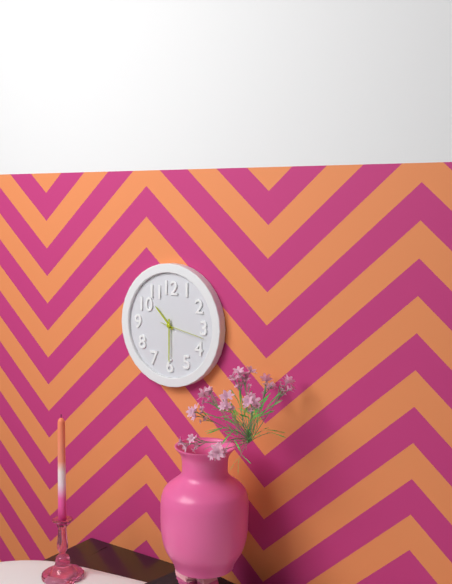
h=10 m=30
